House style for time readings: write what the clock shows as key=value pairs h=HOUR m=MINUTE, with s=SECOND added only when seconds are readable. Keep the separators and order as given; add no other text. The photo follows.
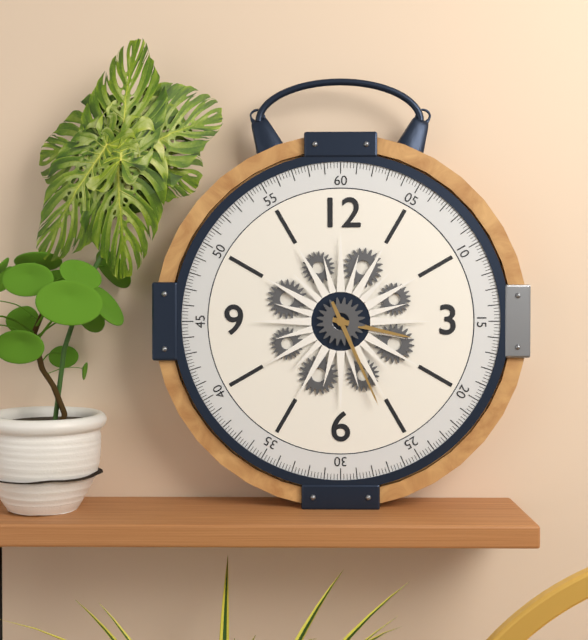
h=3 m=26
